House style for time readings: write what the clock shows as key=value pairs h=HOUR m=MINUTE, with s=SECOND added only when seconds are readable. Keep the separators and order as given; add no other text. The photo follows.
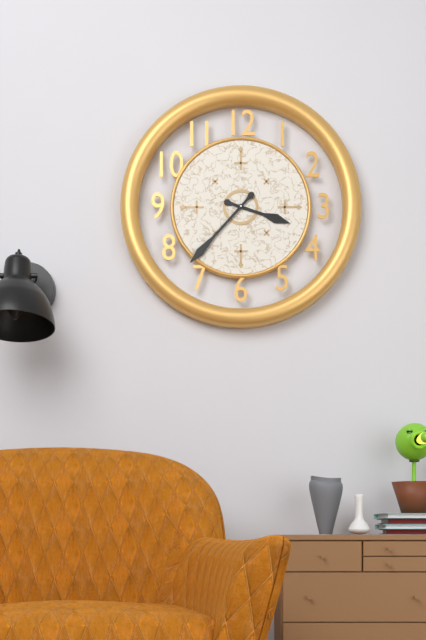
h=3 m=37
